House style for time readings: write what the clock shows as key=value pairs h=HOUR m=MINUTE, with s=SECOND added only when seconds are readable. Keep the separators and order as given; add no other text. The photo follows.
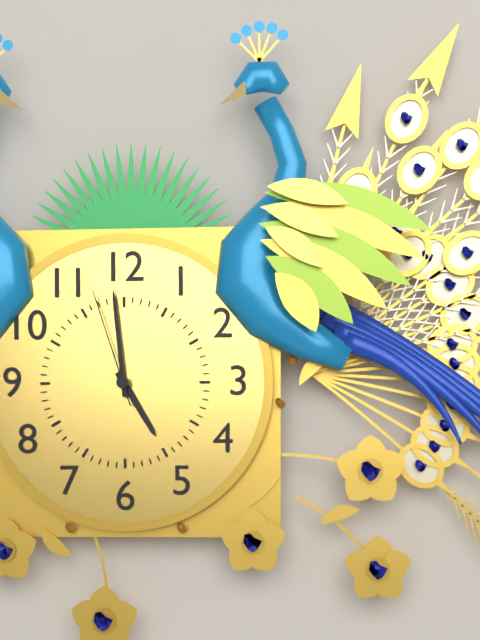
h=4 m=59 s=57
